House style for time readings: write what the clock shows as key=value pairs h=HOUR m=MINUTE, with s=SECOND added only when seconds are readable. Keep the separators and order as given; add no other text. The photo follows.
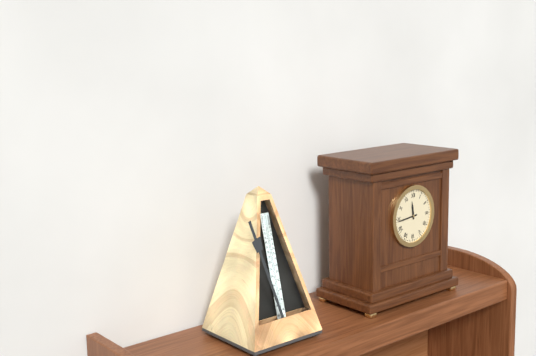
h=11 m=44
